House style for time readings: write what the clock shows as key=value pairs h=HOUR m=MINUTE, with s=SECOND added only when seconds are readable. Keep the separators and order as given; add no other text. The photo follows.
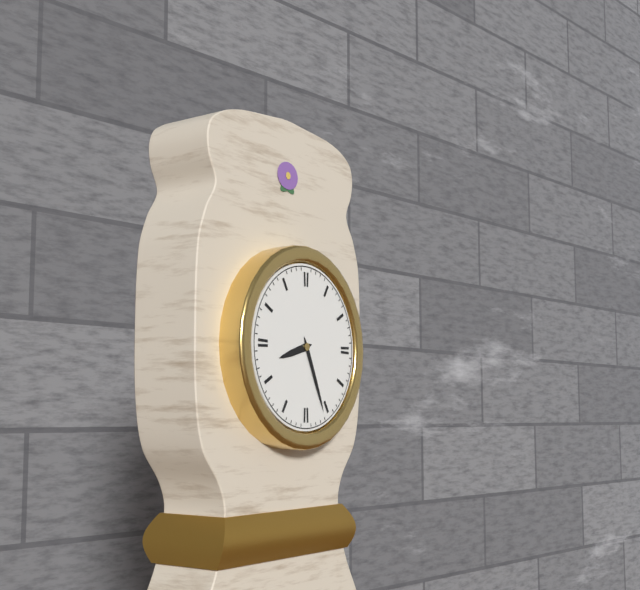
h=8 m=26
